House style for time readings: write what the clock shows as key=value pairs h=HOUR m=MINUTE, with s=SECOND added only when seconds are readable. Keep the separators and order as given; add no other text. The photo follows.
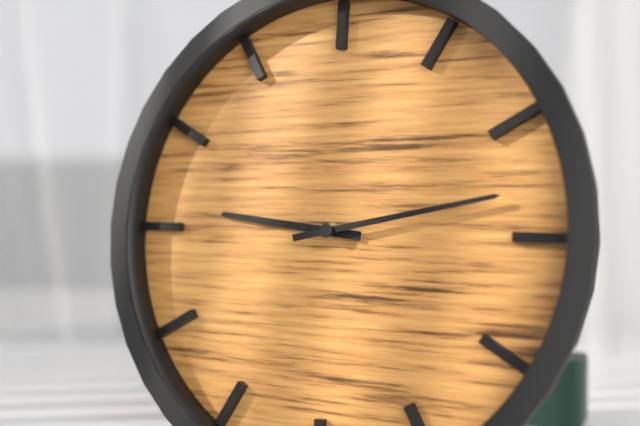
h=9 m=13
